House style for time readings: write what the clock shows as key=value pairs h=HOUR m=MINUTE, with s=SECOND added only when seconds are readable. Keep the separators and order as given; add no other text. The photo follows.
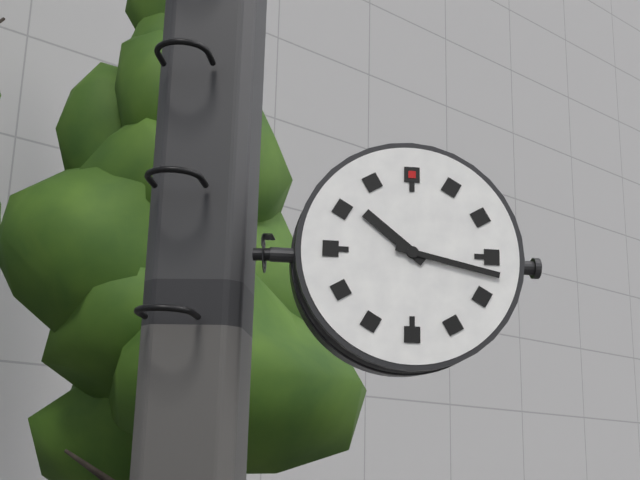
h=10 m=17
